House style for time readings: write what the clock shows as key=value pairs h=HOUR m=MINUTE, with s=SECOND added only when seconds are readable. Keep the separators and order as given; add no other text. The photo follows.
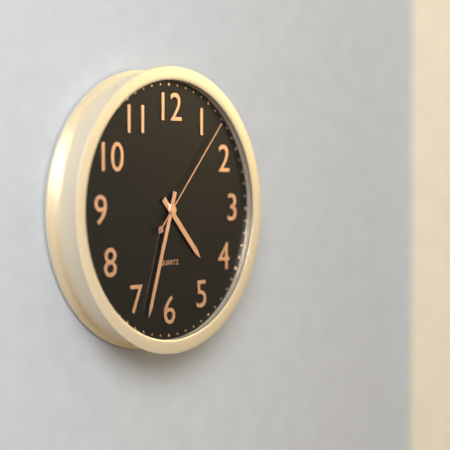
h=4 m=33 s=7
